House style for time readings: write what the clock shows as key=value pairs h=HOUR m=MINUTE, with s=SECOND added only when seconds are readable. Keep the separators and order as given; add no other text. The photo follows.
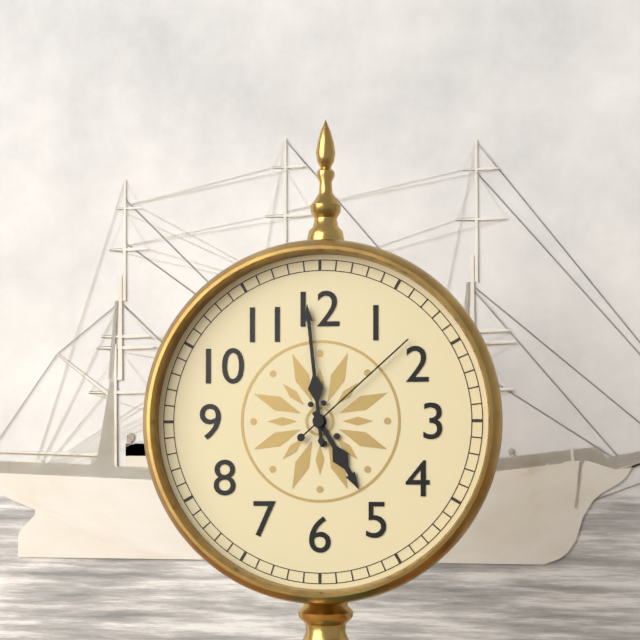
h=4 m=59 s=8
